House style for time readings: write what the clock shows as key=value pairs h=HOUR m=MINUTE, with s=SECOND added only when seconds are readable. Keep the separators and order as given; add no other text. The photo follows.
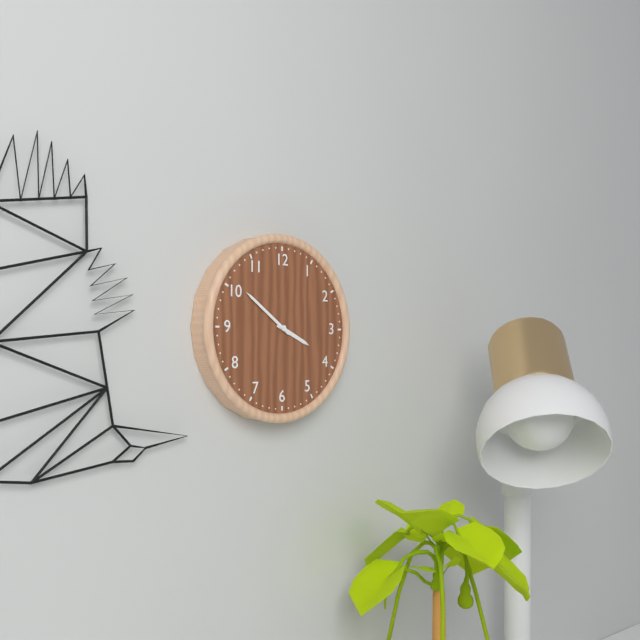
h=3 m=51
